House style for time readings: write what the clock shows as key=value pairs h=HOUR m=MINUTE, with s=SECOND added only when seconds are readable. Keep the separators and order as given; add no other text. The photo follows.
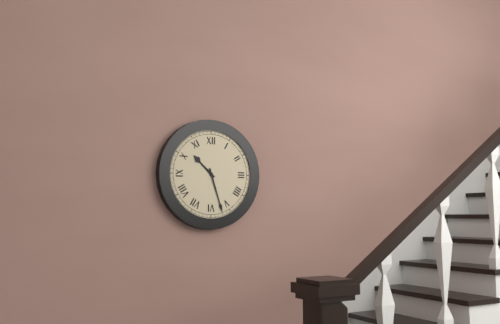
h=10 m=27
